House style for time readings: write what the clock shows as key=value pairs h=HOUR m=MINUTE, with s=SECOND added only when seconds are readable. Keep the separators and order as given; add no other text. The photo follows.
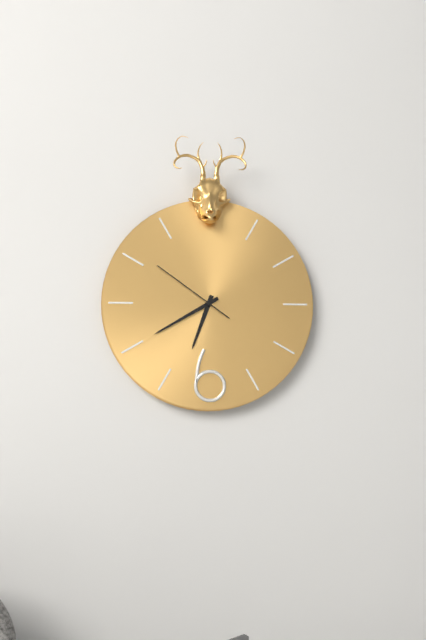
h=6 m=40 s=51
